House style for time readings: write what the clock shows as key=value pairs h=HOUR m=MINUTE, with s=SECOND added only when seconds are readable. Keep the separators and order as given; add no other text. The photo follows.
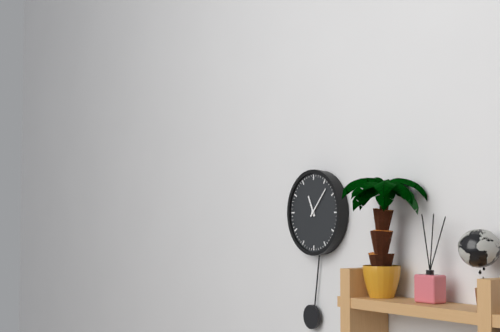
h=11 m=7
